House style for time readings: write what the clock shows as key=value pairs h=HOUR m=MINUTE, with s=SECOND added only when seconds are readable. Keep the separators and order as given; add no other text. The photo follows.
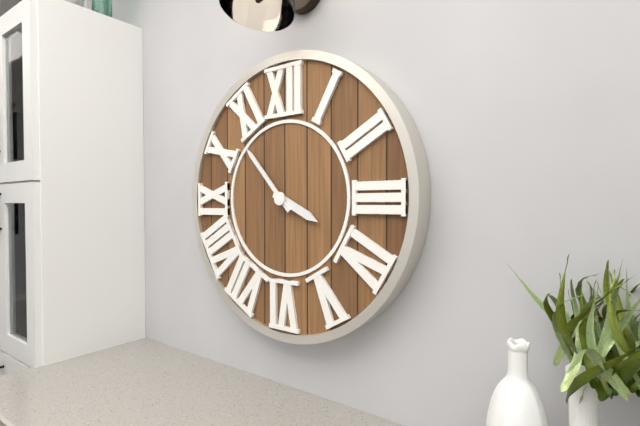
h=3 m=53
